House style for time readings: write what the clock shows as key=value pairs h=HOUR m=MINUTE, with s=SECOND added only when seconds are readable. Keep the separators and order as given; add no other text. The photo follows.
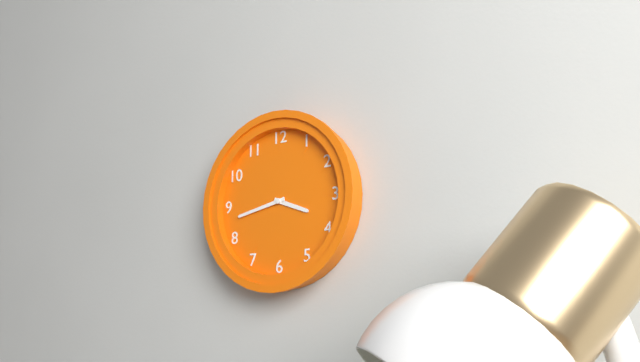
h=3 m=43
